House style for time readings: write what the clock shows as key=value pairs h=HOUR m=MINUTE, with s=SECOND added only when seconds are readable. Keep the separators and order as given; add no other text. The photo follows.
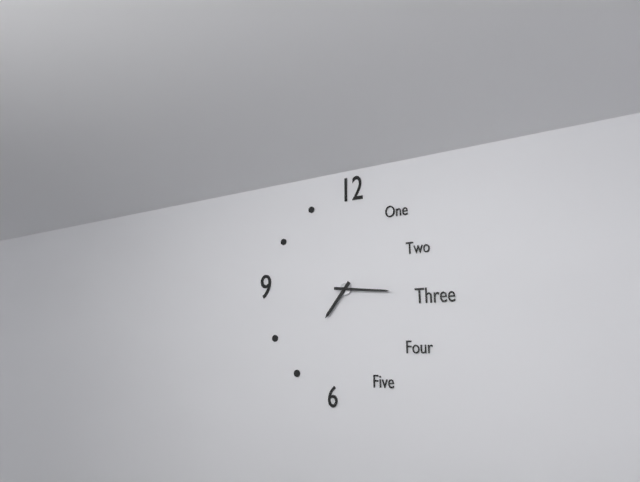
h=7 m=16
